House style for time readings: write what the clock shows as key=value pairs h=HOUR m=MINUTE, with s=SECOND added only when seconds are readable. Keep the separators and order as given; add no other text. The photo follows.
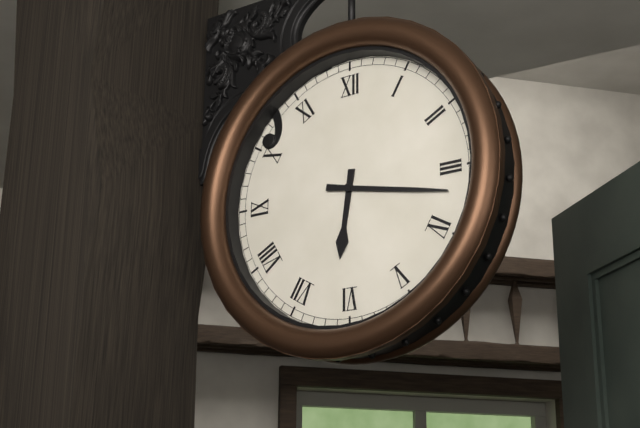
h=6 m=17
